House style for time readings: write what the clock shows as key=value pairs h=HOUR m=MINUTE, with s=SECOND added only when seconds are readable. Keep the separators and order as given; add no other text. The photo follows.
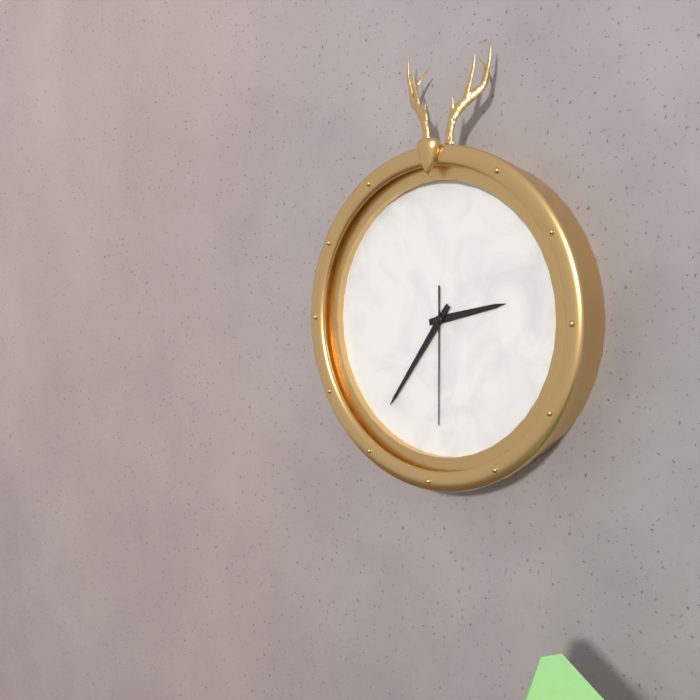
h=2 m=36 s=30
